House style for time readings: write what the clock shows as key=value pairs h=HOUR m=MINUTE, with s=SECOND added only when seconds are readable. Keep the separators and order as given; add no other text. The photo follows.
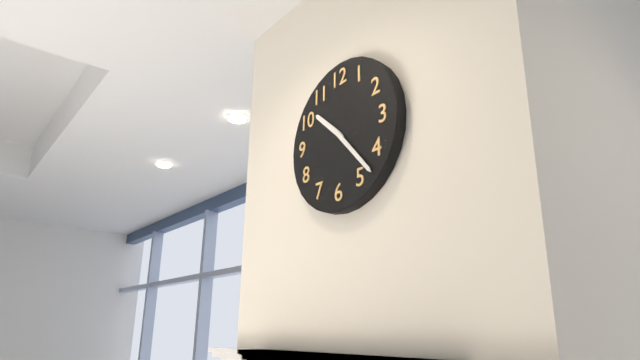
h=10 m=23
